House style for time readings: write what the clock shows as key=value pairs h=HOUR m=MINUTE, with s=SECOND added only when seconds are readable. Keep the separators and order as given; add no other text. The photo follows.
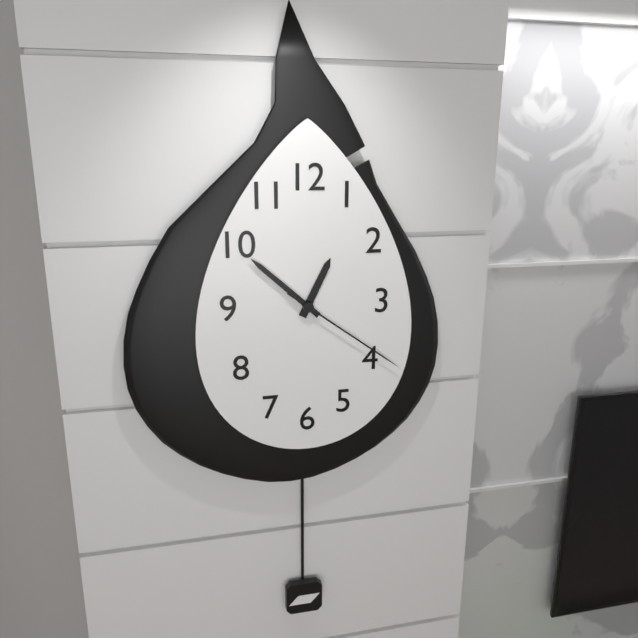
h=12 m=52 s=21
